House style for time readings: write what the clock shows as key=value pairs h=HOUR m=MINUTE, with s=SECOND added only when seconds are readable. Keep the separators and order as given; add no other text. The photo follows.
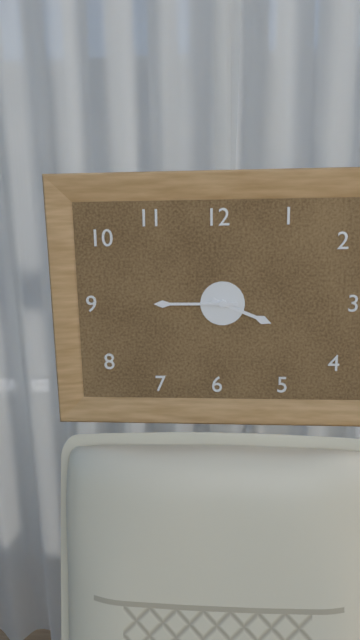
h=3 m=45
